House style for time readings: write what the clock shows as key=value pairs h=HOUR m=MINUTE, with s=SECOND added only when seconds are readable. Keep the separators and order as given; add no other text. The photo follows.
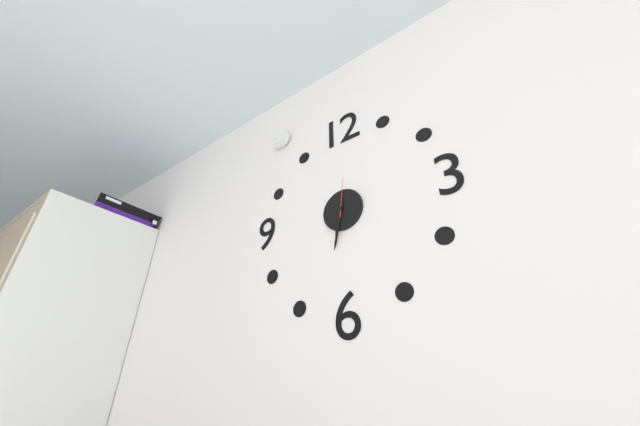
h=6 m=32
